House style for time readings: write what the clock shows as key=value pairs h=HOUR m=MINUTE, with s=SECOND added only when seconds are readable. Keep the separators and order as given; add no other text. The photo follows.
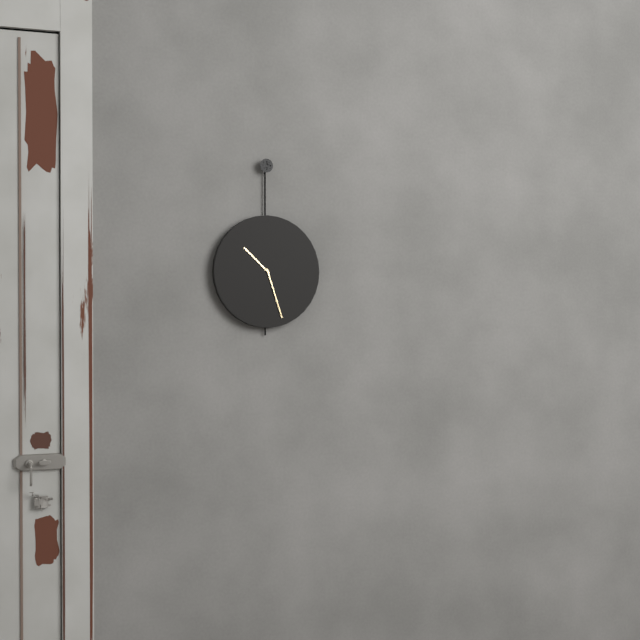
h=10 m=27
